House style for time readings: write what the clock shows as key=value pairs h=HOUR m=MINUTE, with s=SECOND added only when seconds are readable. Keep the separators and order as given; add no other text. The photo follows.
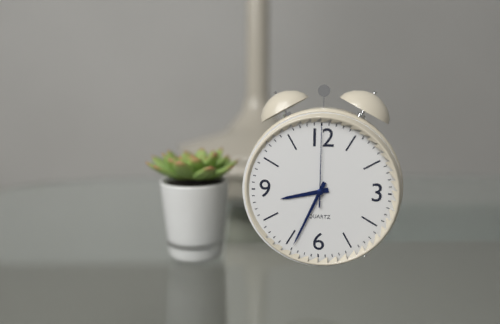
h=8 m=34 s=0
